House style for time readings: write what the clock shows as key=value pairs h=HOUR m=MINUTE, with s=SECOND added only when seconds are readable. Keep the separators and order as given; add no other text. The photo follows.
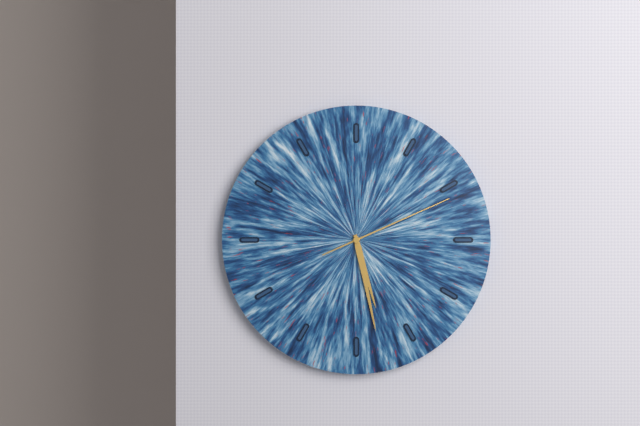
h=5 m=28 s=11
